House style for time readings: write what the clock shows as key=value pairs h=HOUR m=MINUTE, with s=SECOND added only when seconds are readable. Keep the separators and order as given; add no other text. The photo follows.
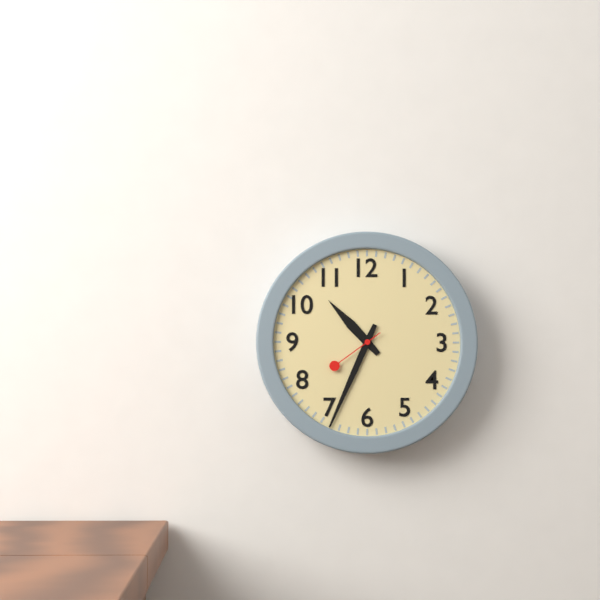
h=10 m=34 s=39
